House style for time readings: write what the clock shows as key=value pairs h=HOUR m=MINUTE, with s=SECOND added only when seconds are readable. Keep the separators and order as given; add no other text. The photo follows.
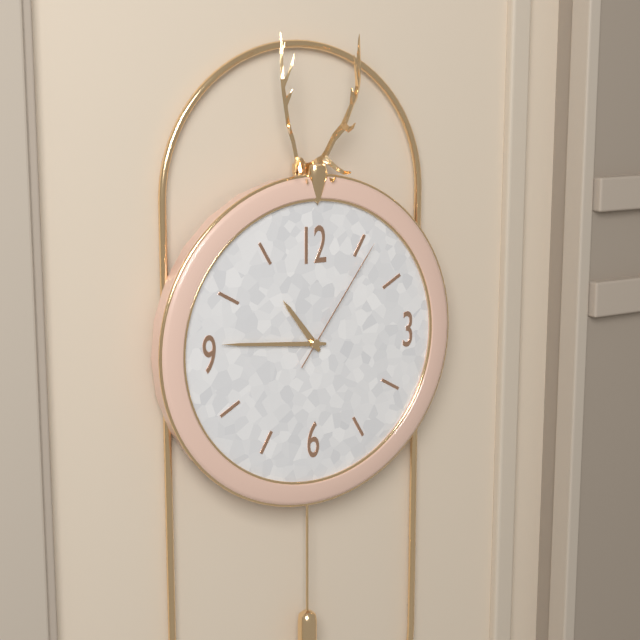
h=10 m=46 s=6
